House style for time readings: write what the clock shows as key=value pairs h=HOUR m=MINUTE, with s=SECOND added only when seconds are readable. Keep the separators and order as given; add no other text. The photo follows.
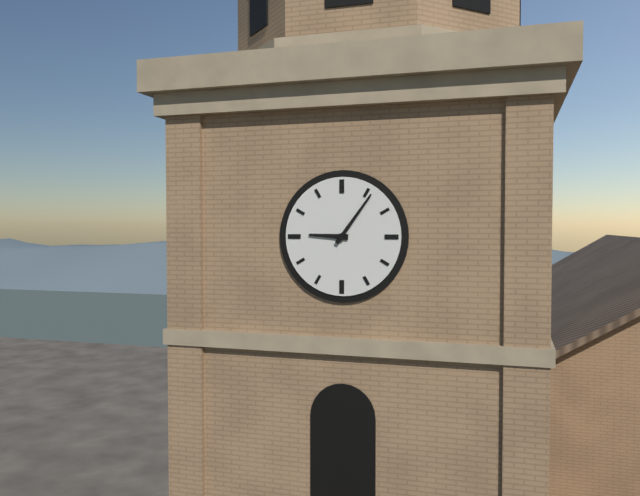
h=9 m=6
